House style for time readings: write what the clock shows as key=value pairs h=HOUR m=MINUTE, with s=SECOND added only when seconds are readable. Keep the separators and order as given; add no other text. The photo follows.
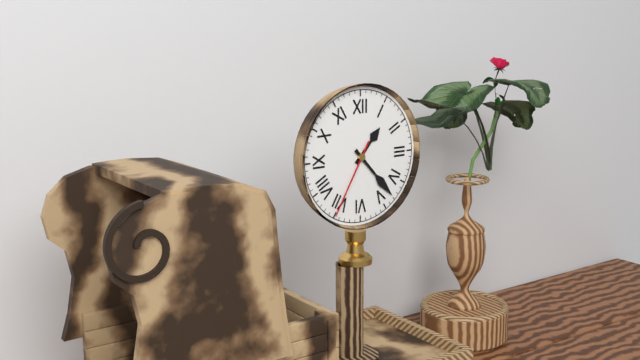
h=1 m=23 s=35
